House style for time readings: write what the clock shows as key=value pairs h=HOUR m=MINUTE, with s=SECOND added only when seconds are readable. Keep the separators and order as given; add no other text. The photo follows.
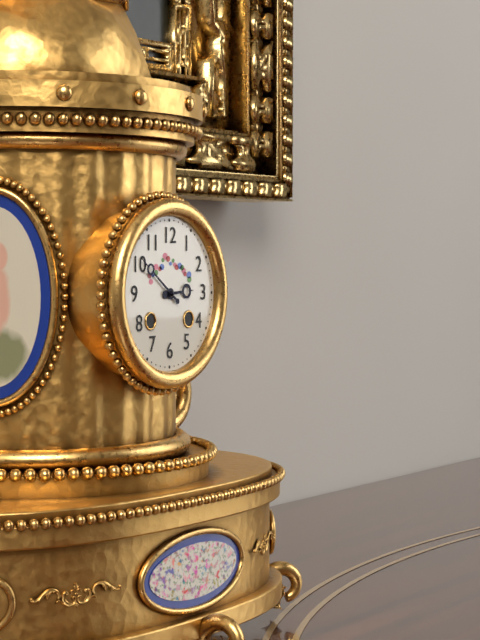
h=2 m=51
